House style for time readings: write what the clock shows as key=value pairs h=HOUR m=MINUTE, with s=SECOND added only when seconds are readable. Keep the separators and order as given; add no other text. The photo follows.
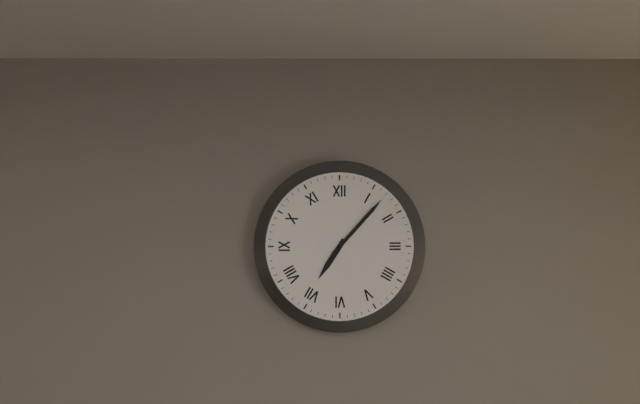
h=7 m=7
